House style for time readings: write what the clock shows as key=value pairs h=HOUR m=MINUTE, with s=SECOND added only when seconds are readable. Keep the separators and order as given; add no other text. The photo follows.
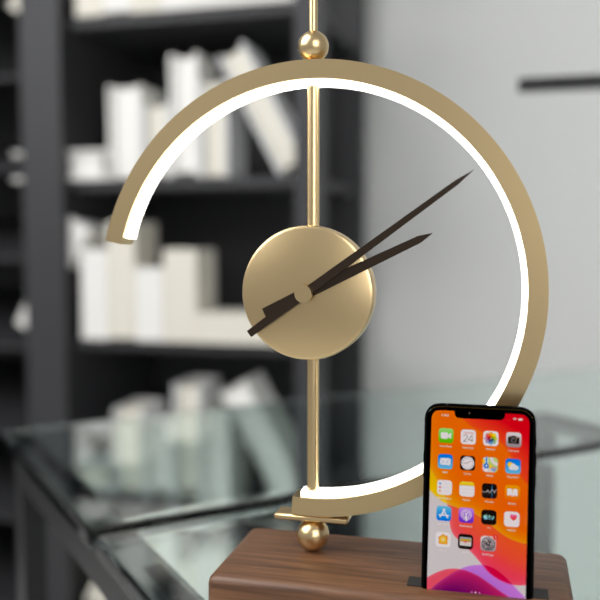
h=2 m=9
